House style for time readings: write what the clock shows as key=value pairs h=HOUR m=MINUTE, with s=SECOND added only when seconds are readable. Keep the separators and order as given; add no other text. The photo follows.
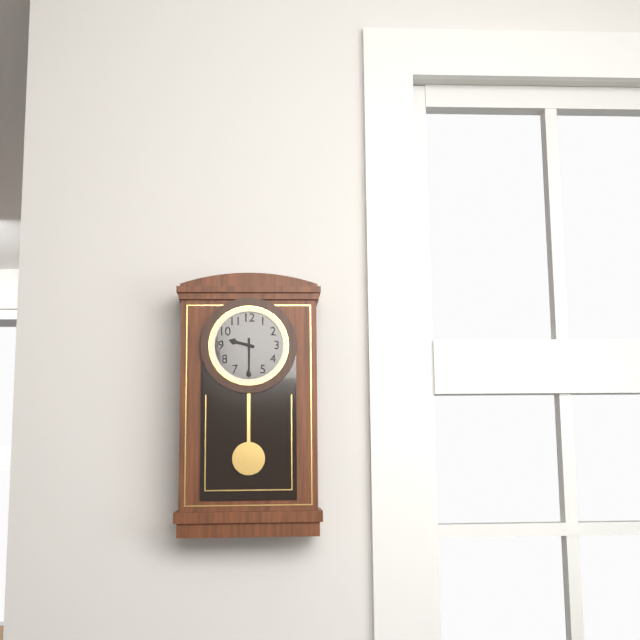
h=9 m=30
